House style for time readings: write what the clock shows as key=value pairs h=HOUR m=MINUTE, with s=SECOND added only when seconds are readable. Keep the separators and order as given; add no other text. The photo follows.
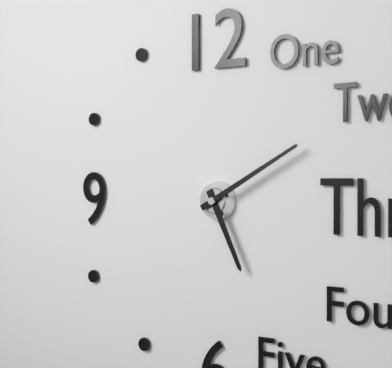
h=5 m=10
